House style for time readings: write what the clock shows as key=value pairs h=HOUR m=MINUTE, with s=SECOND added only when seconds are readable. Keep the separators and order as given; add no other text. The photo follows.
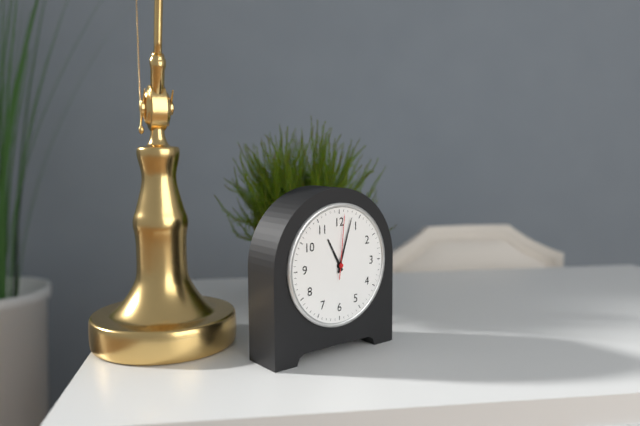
h=11 m=3 s=1
